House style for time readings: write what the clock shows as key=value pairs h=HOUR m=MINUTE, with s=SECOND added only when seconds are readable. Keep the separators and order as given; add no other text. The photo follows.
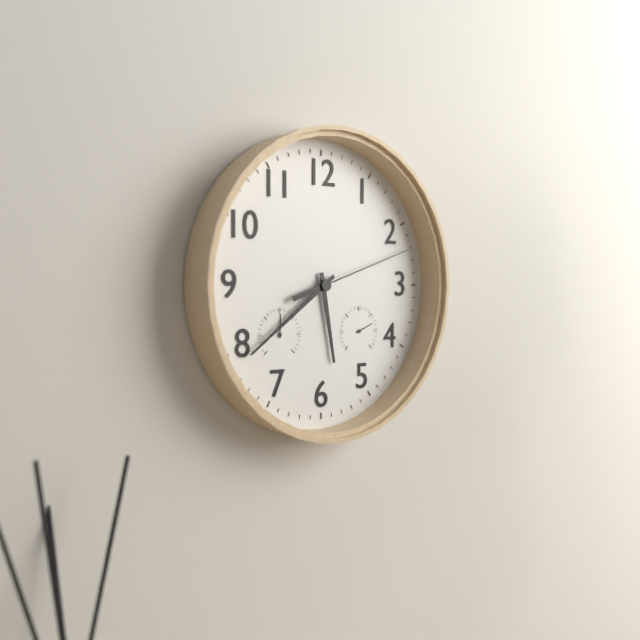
h=5 m=39 s=12
